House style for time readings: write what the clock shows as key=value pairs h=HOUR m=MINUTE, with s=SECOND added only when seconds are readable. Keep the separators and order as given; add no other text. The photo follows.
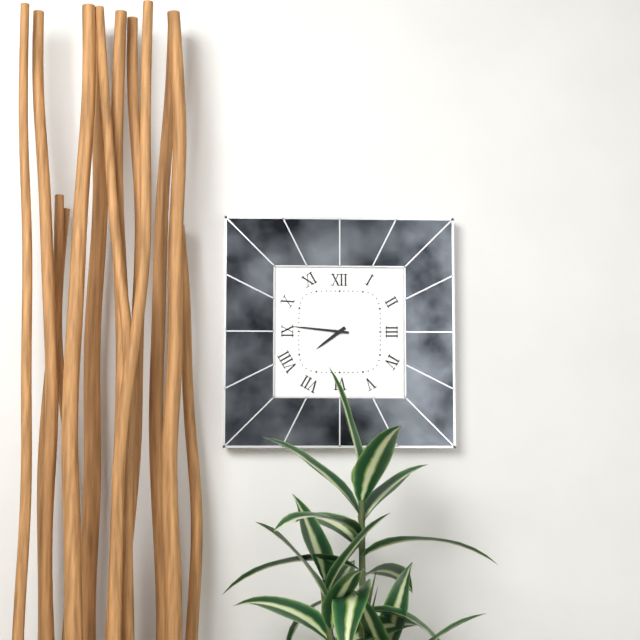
h=7 m=46
